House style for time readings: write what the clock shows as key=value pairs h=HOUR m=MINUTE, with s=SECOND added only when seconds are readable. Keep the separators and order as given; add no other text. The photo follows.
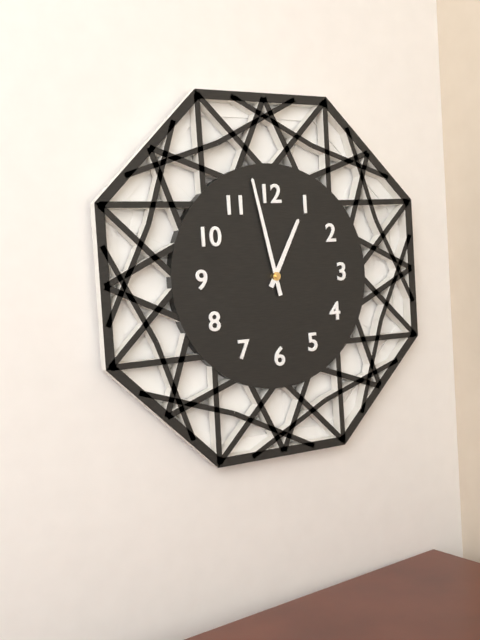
h=12 m=58
